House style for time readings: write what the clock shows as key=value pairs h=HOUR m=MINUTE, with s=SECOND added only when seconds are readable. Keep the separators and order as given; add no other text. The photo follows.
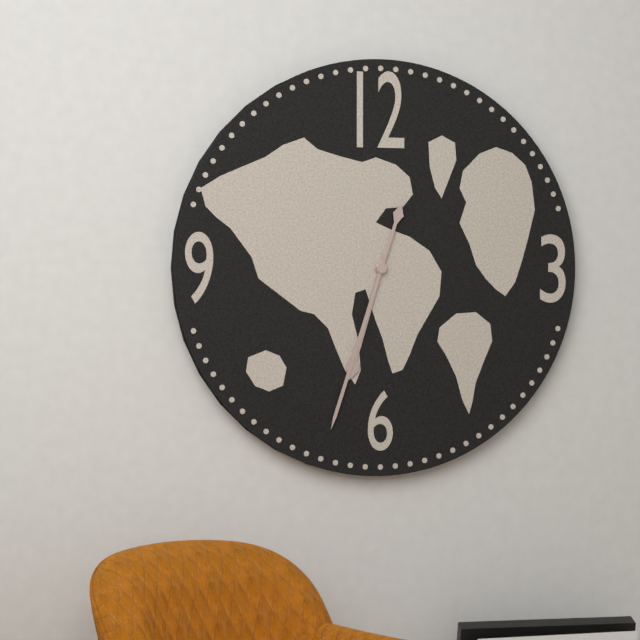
h=6 m=33
